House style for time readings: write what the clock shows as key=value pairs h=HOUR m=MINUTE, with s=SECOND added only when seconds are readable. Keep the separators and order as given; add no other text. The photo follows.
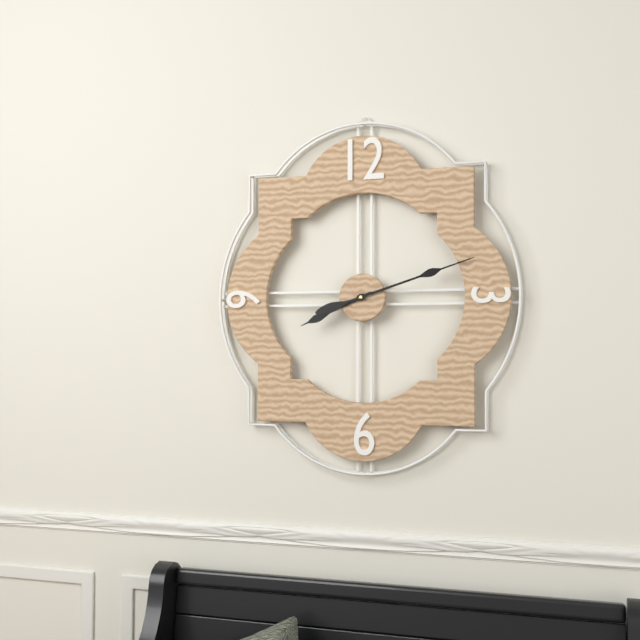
h=8 m=12
